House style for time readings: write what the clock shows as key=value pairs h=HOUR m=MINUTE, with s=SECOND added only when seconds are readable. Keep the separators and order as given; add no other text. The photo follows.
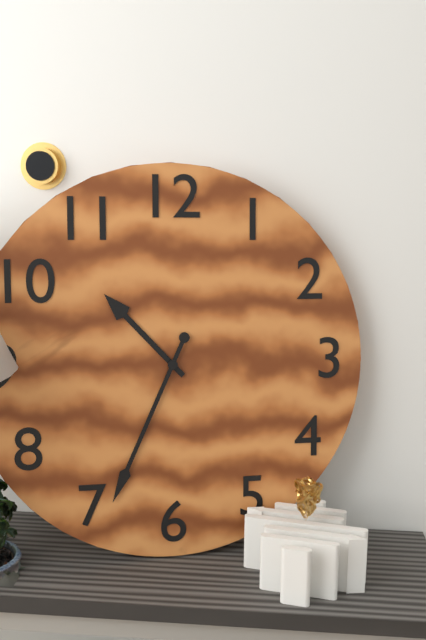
h=10 m=34
